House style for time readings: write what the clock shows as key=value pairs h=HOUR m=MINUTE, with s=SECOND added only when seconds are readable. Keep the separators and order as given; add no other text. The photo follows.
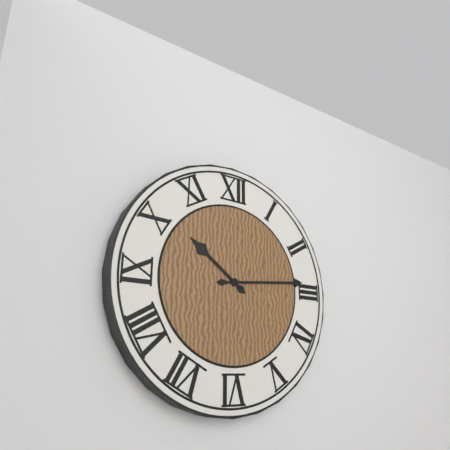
h=10 m=14
